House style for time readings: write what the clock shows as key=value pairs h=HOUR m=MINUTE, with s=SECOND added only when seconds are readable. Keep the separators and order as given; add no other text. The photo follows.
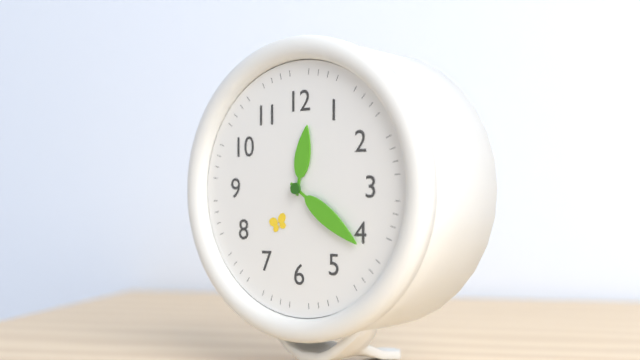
h=12 m=21
